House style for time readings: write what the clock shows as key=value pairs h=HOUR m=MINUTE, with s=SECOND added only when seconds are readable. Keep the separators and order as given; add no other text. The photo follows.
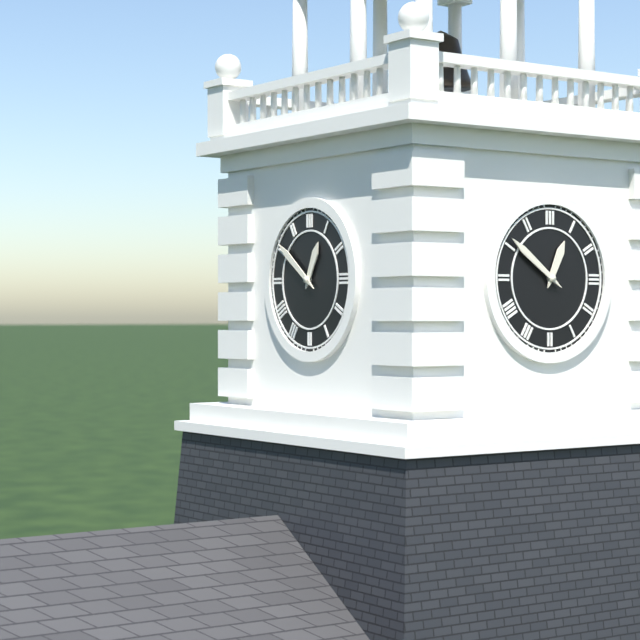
h=12 m=51
